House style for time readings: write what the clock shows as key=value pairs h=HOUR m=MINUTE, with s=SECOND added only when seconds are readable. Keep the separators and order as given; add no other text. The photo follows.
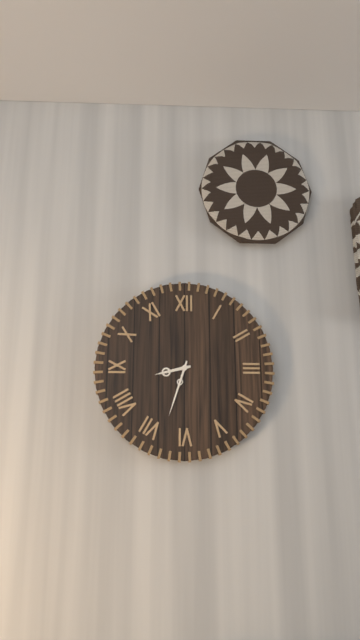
h=8 m=33
